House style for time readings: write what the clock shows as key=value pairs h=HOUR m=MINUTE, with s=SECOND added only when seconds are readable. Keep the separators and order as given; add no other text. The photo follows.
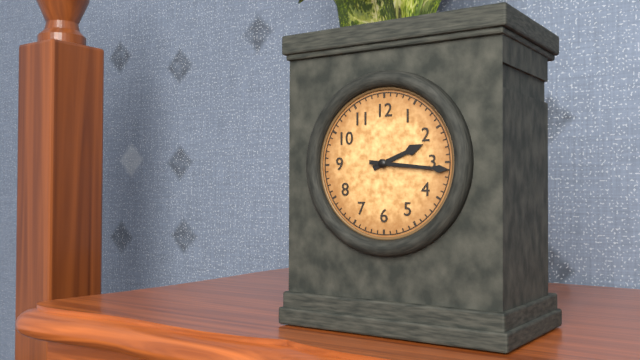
h=2 m=16
